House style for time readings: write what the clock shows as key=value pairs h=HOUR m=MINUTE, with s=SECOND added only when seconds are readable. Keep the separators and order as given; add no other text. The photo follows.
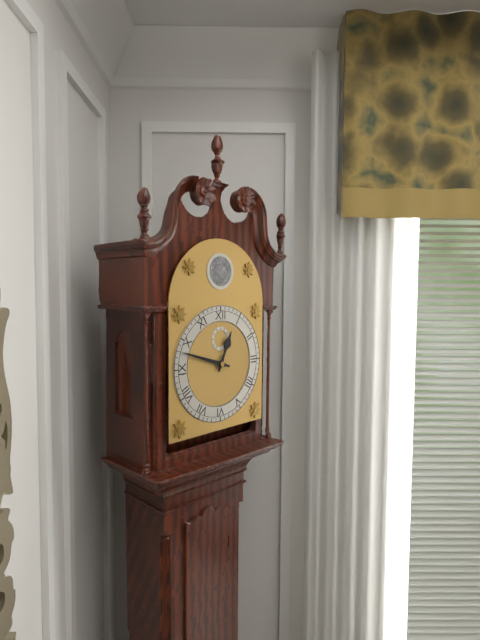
h=12 m=48
